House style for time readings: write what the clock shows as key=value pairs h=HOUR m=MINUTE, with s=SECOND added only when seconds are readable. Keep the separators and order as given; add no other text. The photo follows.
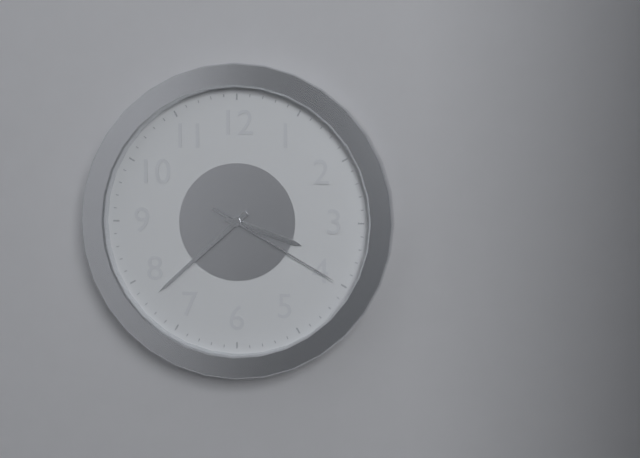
h=3 m=38 s=20
